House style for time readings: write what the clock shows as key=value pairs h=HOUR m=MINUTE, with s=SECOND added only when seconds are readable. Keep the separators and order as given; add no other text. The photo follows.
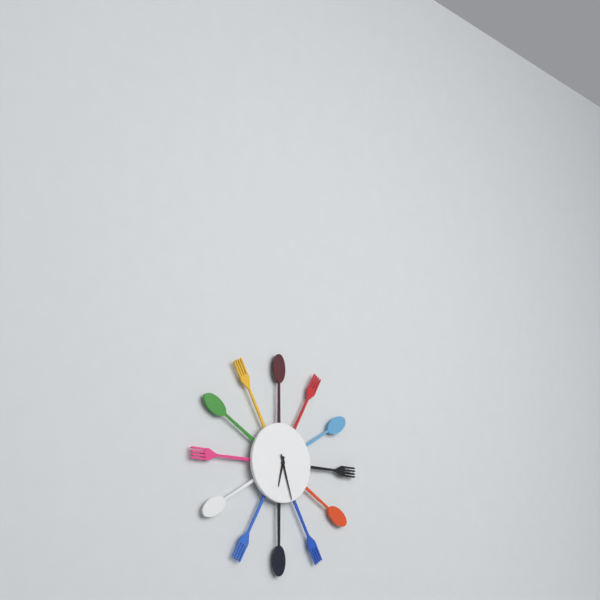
h=6 m=27
